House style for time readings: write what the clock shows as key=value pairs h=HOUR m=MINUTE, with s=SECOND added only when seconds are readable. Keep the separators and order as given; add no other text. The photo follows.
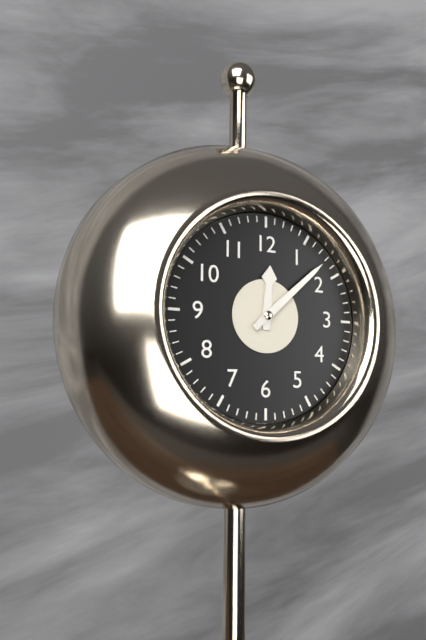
h=12 m=8
